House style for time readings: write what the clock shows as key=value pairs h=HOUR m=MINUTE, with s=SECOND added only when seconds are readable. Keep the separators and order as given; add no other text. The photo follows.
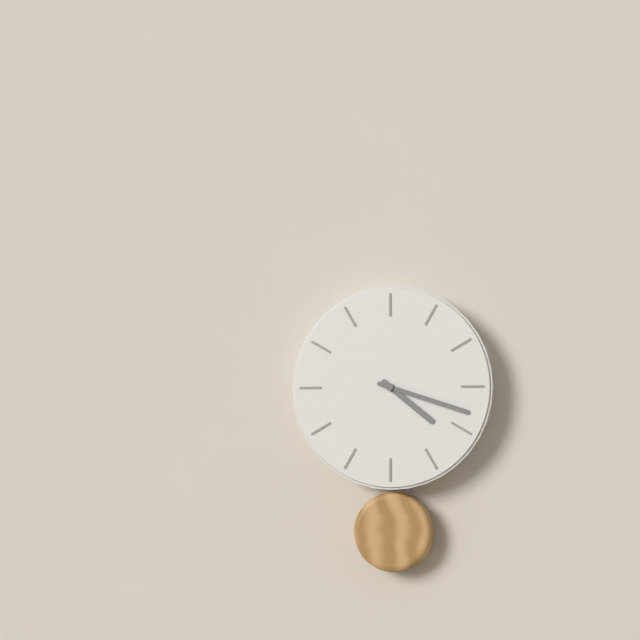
h=4 m=18
